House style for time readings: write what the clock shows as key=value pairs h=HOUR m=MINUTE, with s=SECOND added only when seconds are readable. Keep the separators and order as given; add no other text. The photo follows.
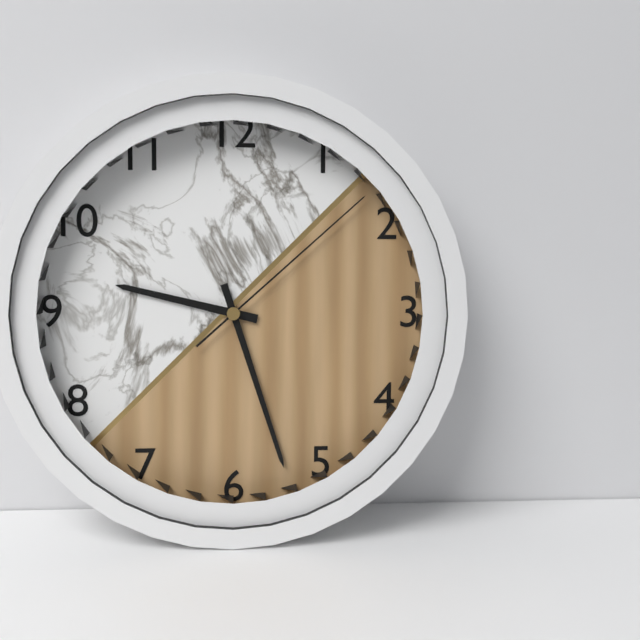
h=9 m=27 s=8
